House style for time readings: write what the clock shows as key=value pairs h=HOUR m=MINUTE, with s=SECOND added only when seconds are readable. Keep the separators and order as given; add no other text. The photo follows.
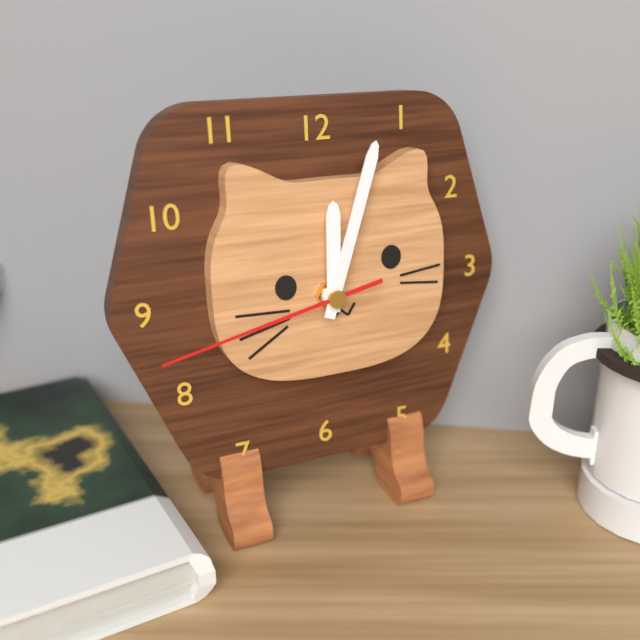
h=12 m=3 s=43
